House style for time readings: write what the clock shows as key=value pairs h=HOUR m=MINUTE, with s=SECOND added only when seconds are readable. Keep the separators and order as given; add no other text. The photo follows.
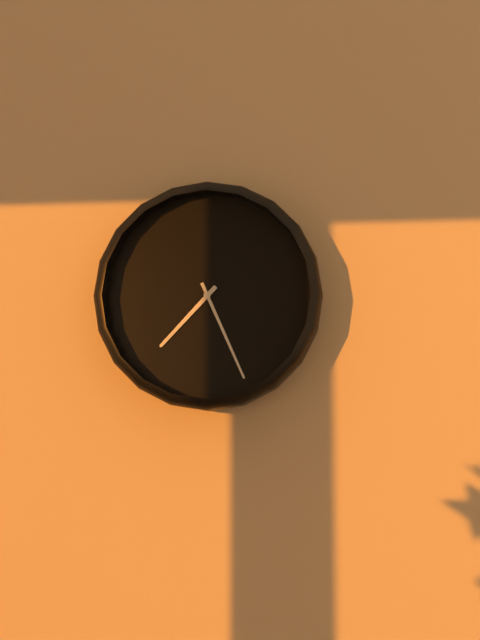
h=7 m=26
